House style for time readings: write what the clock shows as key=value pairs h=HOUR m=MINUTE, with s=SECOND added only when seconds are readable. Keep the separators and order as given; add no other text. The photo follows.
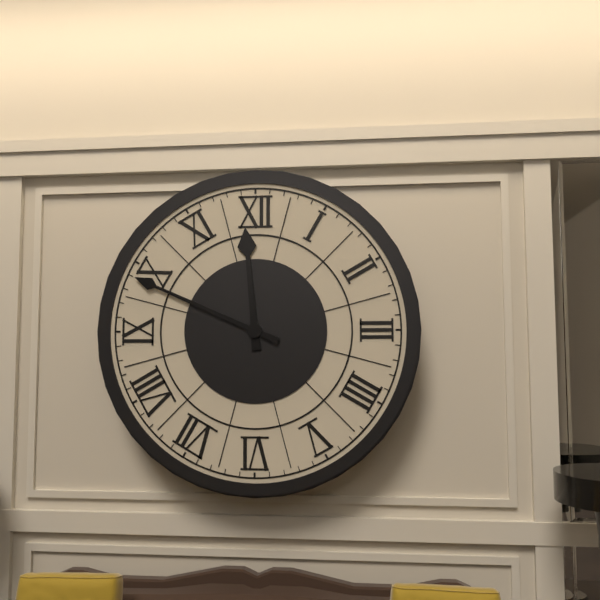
h=11 m=49
